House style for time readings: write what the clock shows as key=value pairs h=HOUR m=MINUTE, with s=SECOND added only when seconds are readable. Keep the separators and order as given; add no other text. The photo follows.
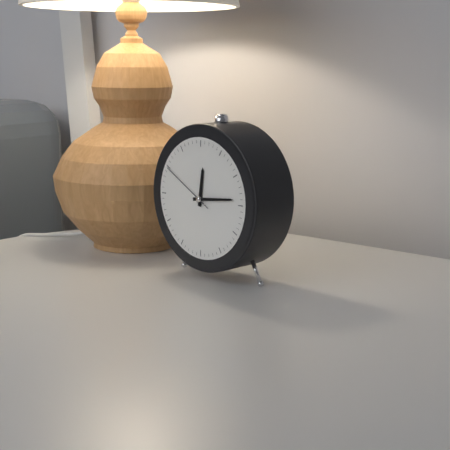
h=12 m=14 s=50
